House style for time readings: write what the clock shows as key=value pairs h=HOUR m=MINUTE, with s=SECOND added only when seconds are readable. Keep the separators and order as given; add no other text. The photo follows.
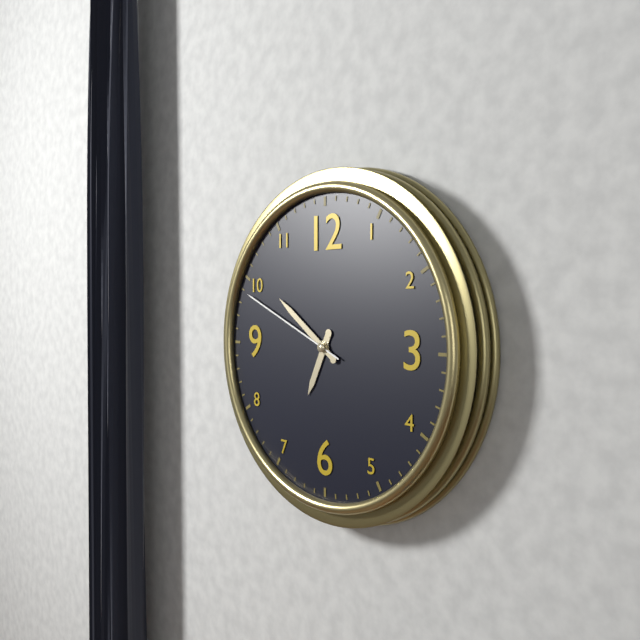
h=6 m=51 s=49
